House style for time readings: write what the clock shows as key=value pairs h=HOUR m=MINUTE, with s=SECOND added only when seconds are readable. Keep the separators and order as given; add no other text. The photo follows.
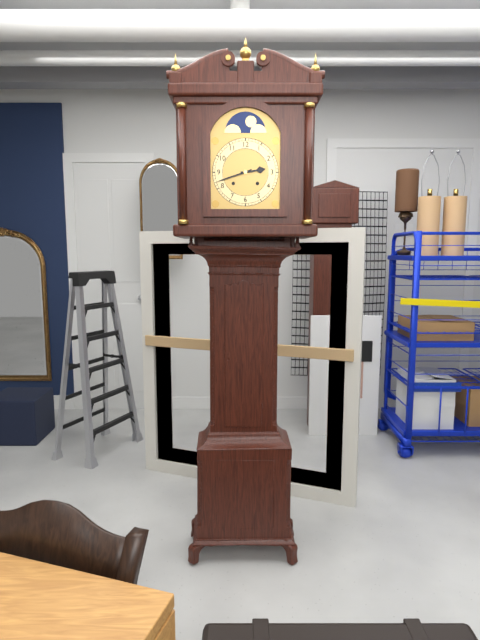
h=2 m=42
